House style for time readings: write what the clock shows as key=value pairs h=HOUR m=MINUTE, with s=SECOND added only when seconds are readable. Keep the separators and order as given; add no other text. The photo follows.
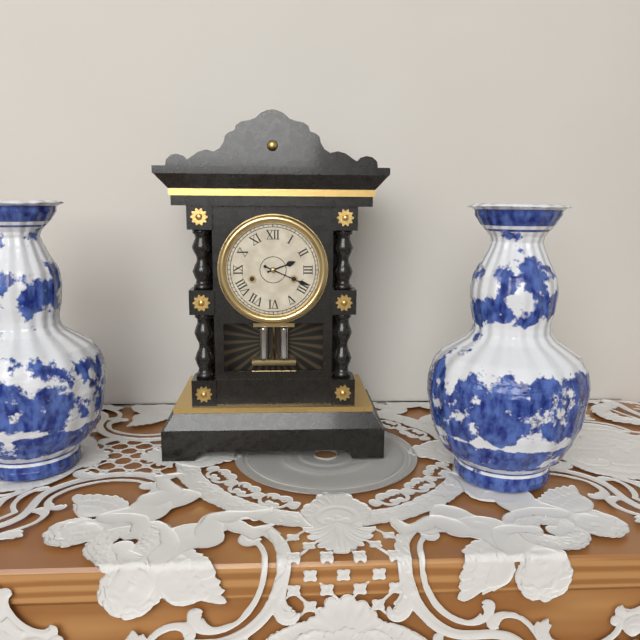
h=2 m=19
